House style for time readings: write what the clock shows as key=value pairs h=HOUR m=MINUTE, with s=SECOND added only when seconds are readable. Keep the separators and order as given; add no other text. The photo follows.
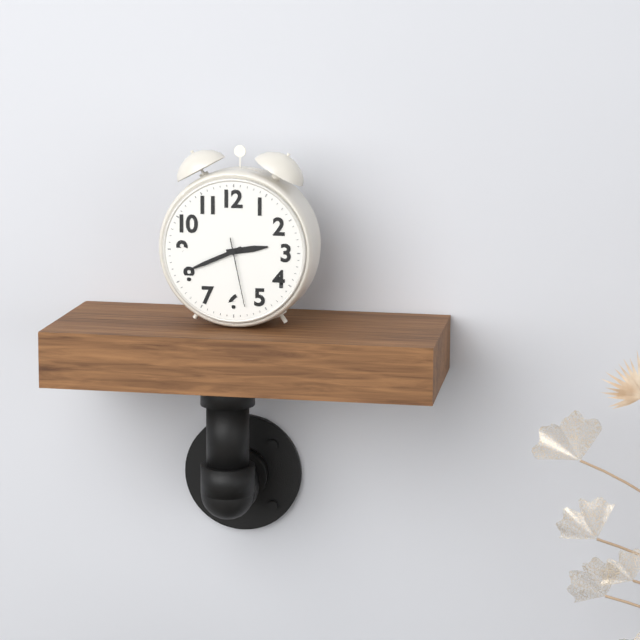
h=2 m=41 s=28
